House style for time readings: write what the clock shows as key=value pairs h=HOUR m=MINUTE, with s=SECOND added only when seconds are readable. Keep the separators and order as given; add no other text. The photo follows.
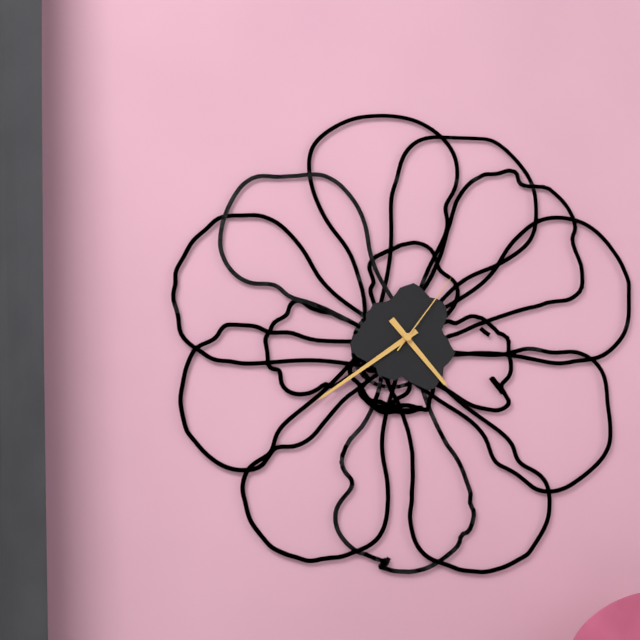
h=4 m=39 s=6
